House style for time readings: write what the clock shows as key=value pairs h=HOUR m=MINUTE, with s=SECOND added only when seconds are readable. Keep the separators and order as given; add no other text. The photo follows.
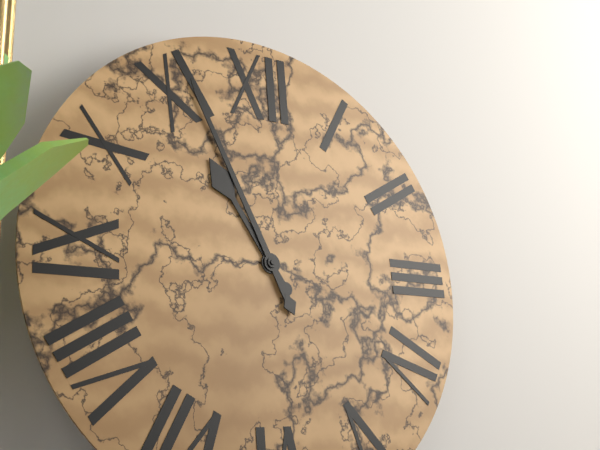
h=10 m=56
